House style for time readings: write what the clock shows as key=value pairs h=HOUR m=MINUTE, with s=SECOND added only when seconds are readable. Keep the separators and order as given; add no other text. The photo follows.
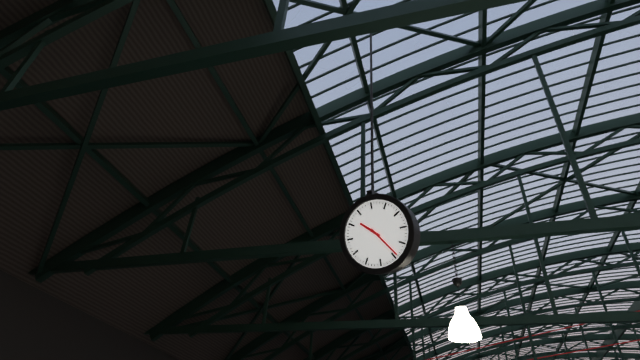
h=10 m=24
